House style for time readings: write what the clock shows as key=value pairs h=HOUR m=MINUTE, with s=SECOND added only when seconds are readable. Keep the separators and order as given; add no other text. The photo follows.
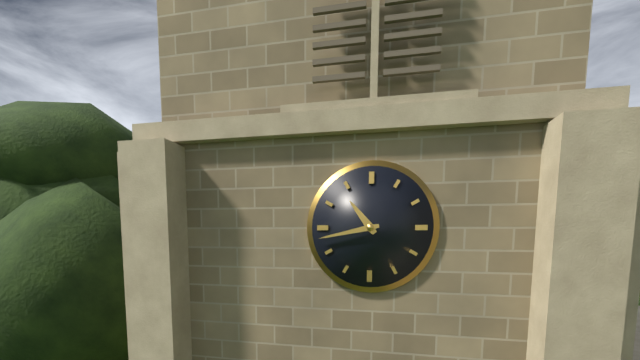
h=10 m=43
